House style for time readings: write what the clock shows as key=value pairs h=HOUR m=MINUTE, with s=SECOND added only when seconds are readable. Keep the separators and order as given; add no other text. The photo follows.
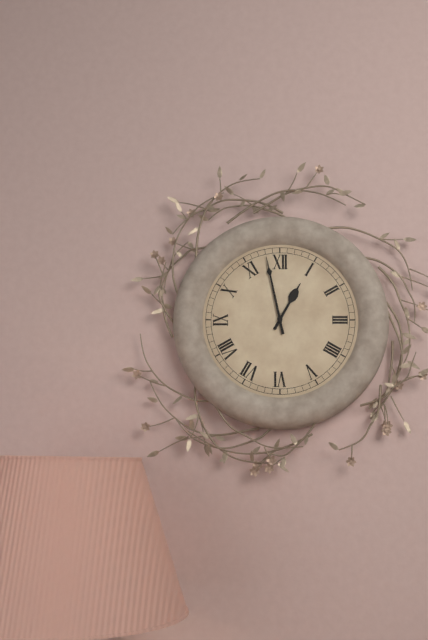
h=12 m=58
